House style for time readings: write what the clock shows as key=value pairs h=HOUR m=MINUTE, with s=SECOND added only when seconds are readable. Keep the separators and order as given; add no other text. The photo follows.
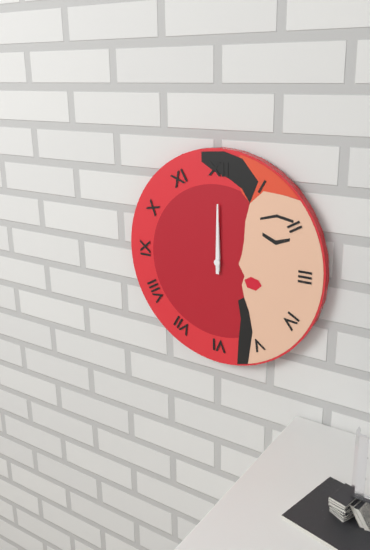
h=12 m=0
